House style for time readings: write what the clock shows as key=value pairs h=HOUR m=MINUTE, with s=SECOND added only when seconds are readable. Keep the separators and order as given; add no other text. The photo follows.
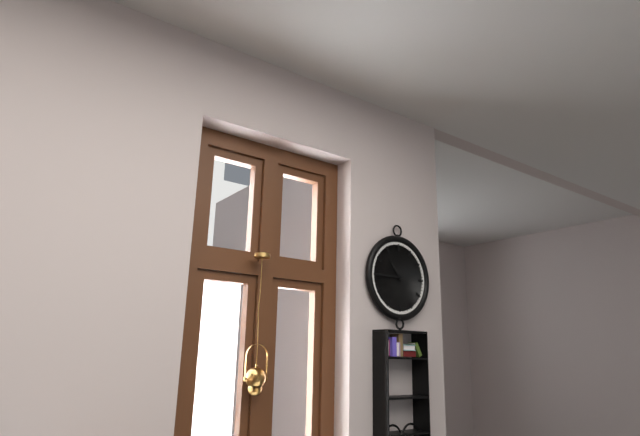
h=10 m=45
